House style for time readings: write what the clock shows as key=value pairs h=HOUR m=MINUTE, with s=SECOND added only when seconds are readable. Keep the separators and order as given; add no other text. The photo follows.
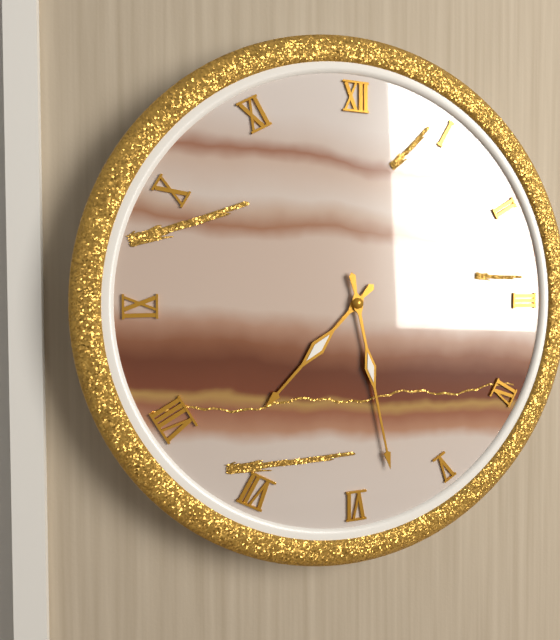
h=7 m=28
